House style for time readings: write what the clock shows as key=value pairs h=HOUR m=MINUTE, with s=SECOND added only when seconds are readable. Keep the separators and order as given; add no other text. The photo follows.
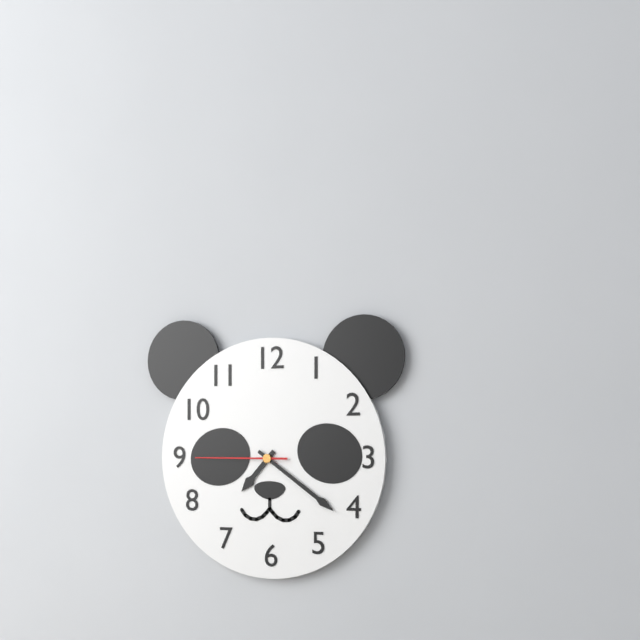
h=7 m=21 s=45
